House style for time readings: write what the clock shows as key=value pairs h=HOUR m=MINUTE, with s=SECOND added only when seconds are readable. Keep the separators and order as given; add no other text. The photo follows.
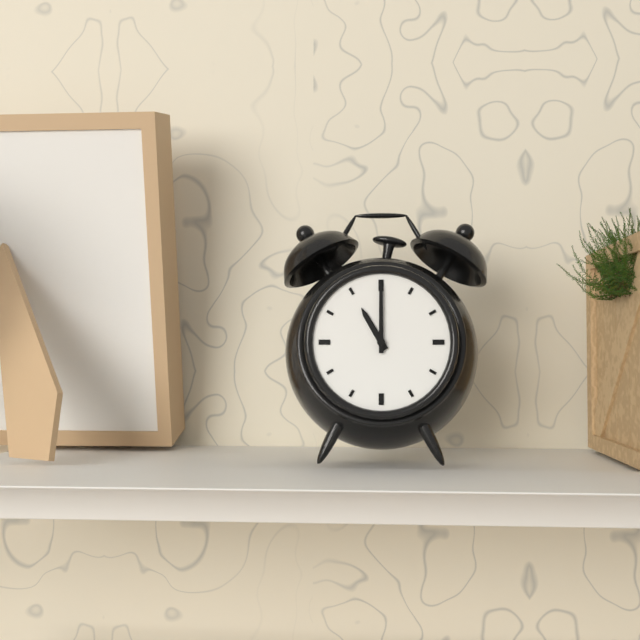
h=11 m=0
